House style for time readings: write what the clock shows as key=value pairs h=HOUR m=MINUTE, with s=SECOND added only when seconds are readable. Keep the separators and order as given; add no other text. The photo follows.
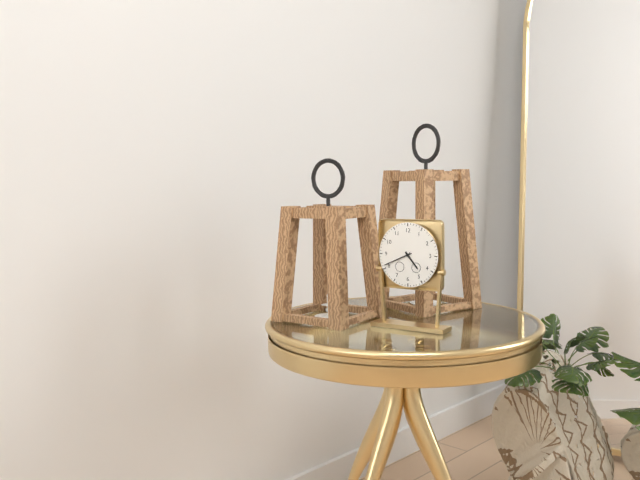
h=4 m=41
